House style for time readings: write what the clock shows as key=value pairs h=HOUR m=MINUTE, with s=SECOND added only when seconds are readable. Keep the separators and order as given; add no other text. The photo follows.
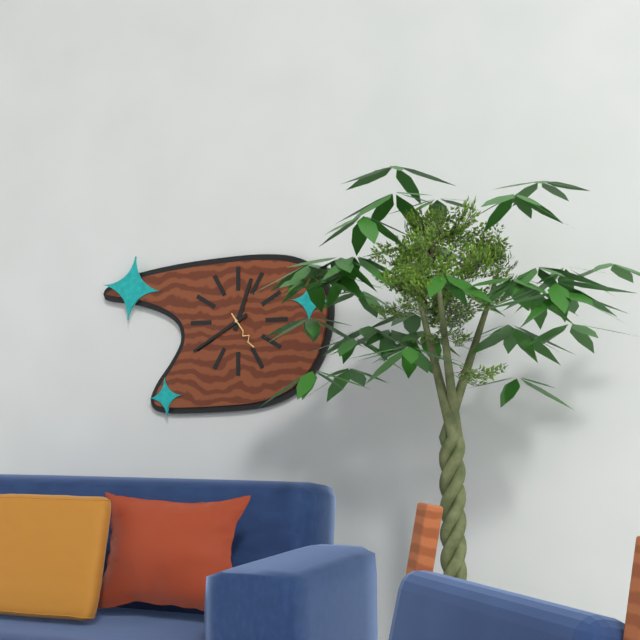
h=12 m=40
